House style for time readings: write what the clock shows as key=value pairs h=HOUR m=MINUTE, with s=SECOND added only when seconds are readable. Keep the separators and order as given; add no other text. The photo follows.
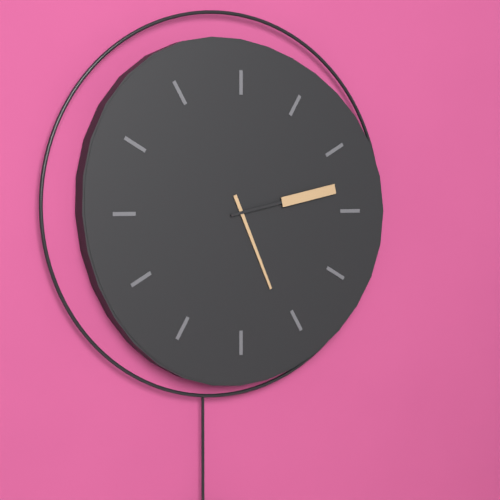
h=5 m=13
